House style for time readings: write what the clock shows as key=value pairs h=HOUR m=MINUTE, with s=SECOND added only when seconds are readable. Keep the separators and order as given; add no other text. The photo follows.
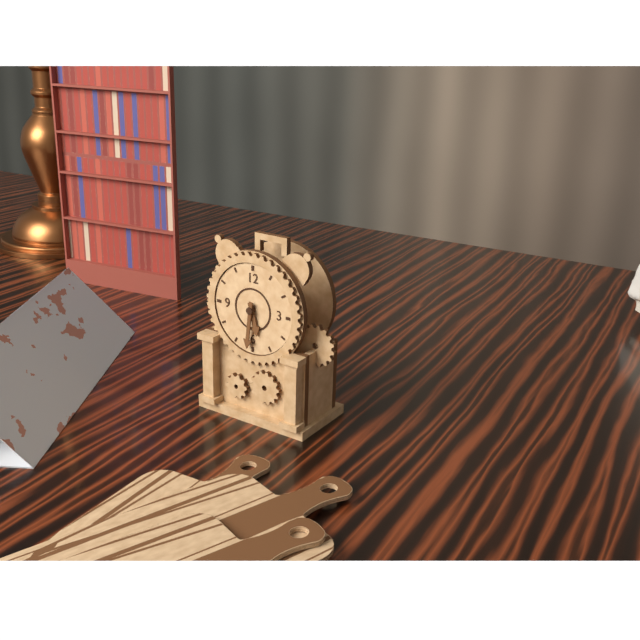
h=5 m=31
